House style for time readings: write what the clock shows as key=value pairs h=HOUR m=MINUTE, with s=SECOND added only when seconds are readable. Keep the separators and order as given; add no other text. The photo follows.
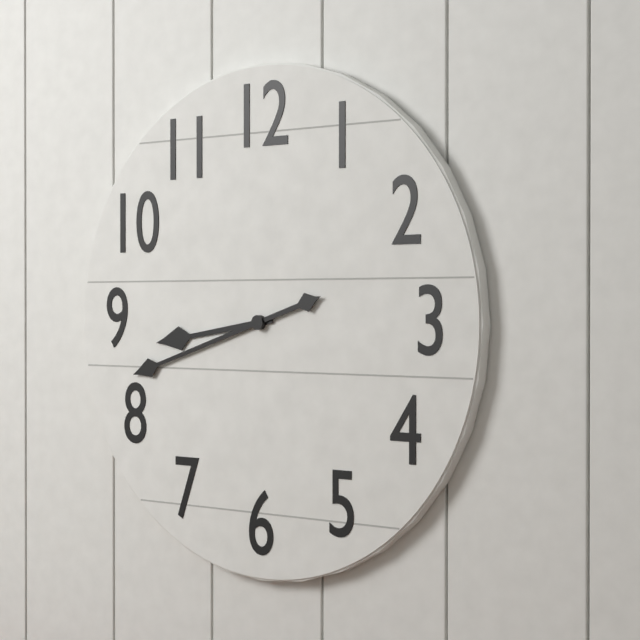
h=8 m=42
